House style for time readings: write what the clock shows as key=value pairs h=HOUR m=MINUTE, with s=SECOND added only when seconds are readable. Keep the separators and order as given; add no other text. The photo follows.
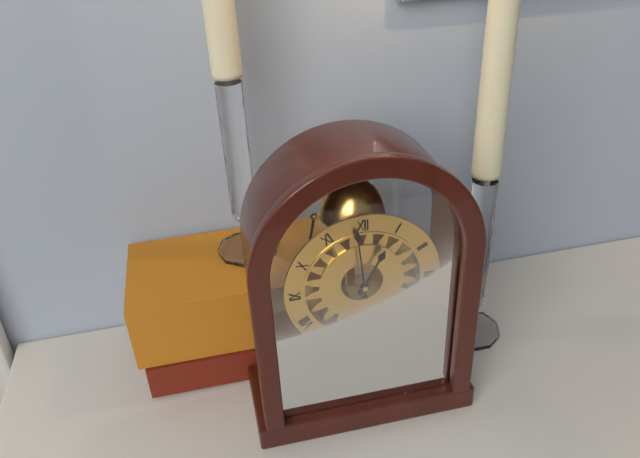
h=12 m=59
